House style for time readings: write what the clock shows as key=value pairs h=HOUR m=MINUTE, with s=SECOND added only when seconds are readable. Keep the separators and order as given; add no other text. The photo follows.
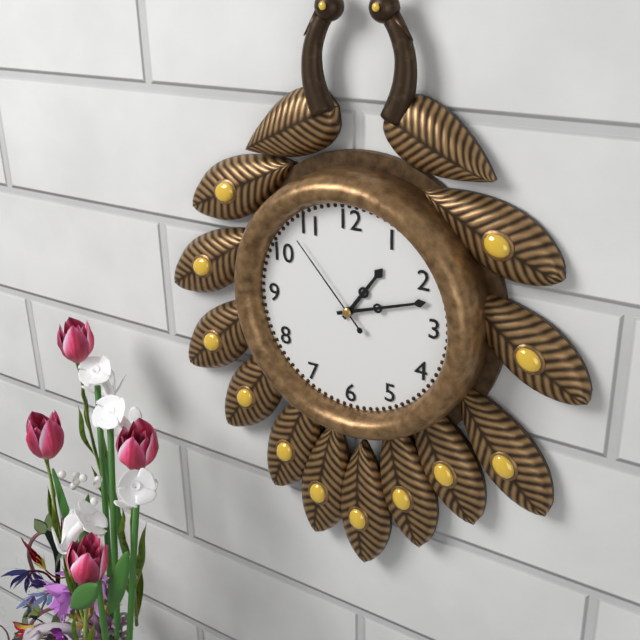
h=1 m=12 s=53
